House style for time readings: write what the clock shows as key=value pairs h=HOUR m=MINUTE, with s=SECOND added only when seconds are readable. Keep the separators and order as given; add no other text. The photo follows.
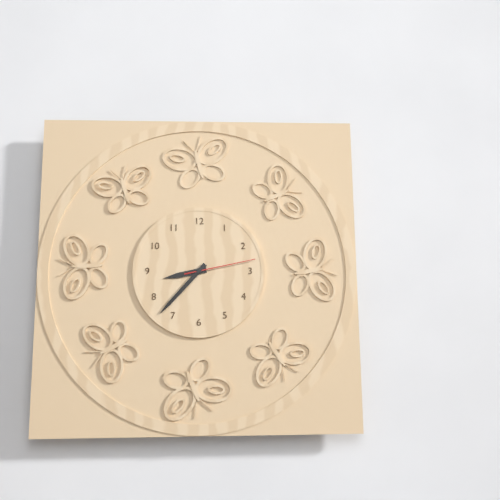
h=8 m=37 s=13
